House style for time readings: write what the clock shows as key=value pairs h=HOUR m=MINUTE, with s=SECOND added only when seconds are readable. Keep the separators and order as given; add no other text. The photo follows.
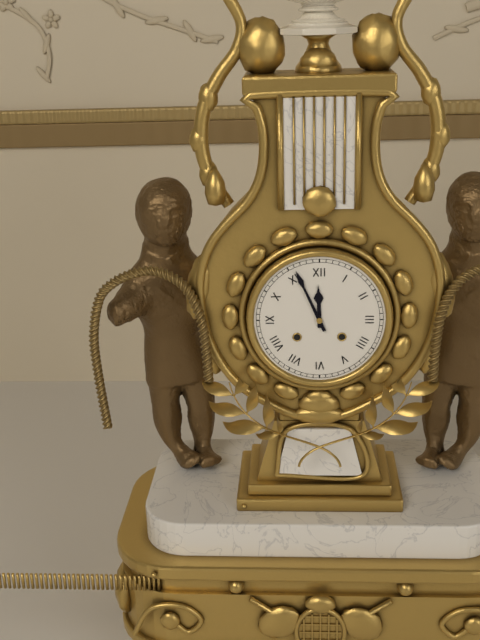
h=11 m=56
